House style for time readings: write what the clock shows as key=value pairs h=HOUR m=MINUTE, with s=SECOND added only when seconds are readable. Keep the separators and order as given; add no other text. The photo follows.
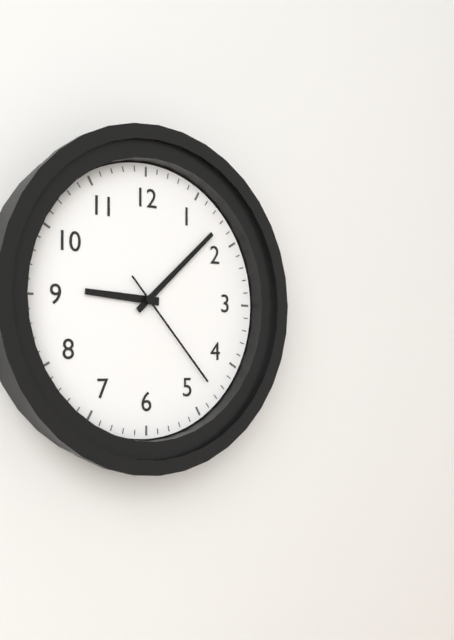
h=9 m=8 s=23
